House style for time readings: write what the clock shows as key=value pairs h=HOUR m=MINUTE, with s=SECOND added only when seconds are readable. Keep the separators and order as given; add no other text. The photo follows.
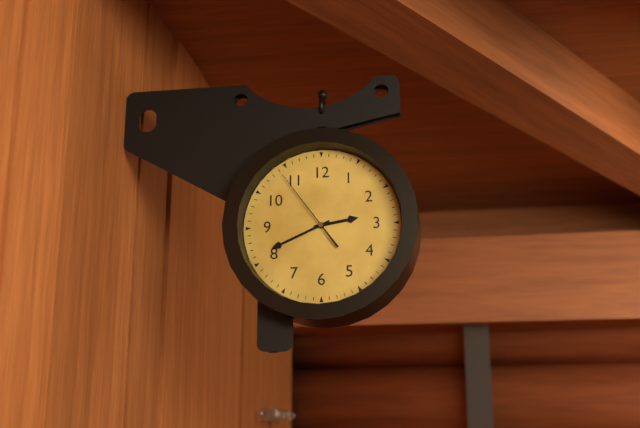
h=2 m=41 s=54
